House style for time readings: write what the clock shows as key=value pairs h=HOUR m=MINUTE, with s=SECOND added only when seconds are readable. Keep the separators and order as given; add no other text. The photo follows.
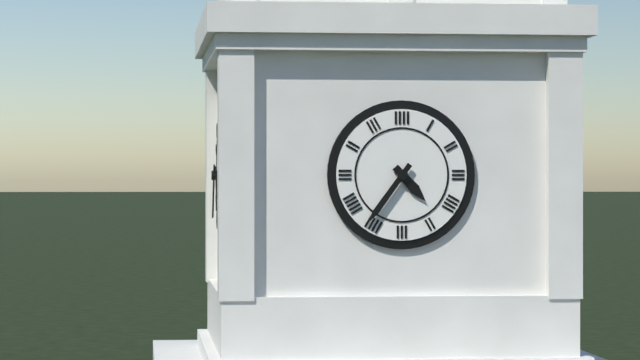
h=4 m=36
